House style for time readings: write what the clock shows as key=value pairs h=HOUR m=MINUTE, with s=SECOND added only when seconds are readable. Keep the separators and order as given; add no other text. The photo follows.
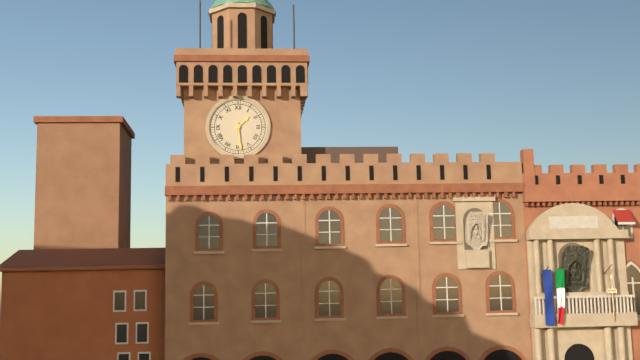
h=1 m=29
